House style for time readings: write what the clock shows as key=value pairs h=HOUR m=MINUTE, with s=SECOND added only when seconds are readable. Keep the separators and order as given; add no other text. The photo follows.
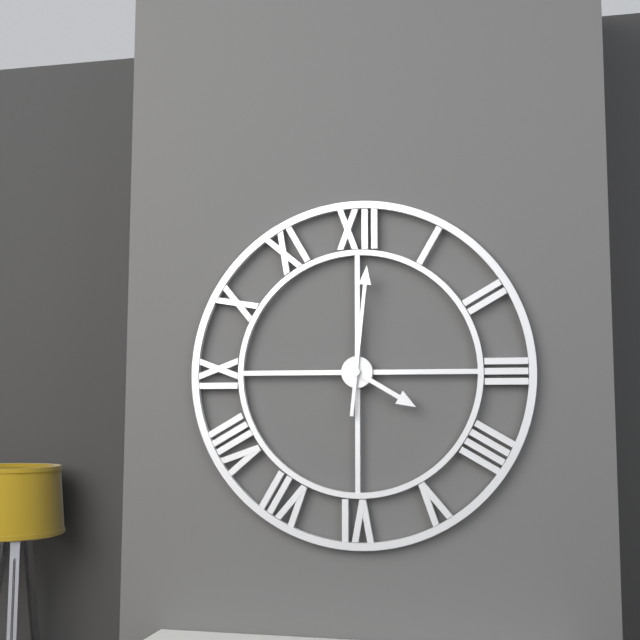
h=4 m=1
